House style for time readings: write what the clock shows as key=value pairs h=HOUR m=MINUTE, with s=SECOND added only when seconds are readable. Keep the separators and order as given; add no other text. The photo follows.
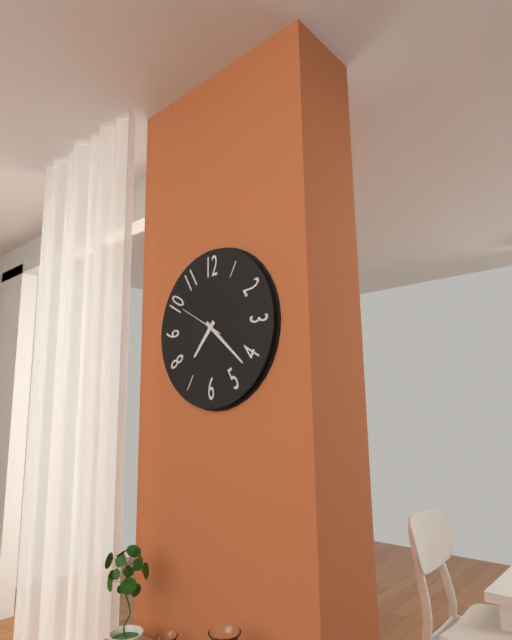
h=7 m=22
